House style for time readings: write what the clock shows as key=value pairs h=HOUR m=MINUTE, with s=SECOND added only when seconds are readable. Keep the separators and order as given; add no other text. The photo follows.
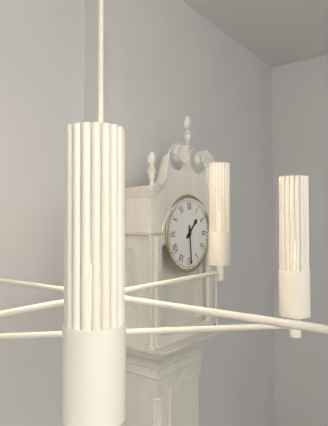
h=1 m=29
